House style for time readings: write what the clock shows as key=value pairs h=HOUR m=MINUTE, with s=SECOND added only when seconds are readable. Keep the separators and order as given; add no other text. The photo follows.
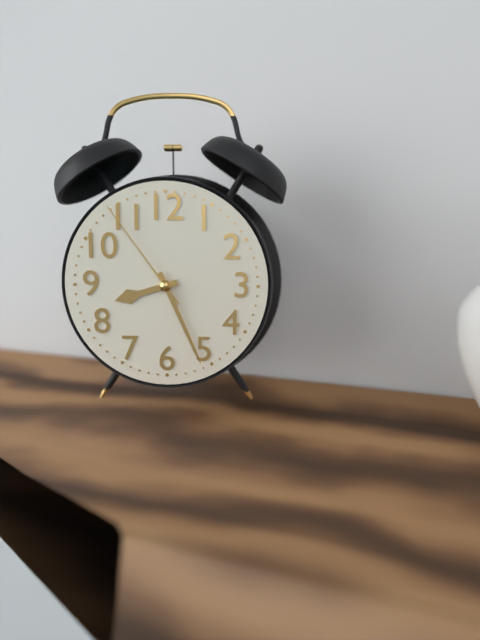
h=8 m=26 s=54
